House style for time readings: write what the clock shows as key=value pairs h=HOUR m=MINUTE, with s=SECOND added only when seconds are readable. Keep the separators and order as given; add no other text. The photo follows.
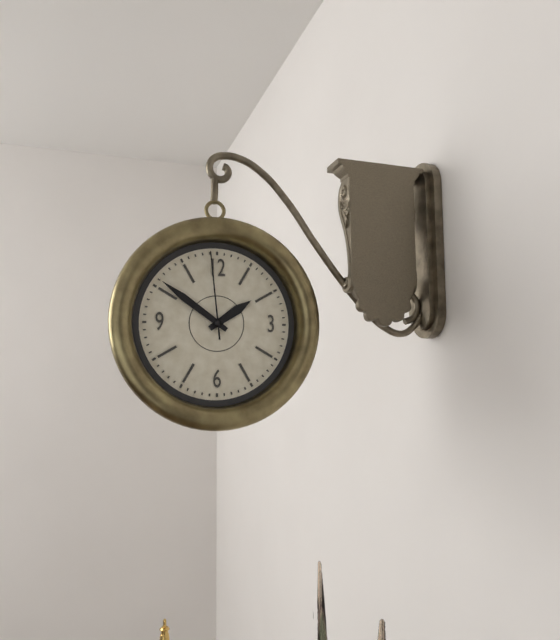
h=1 m=51 s=59
